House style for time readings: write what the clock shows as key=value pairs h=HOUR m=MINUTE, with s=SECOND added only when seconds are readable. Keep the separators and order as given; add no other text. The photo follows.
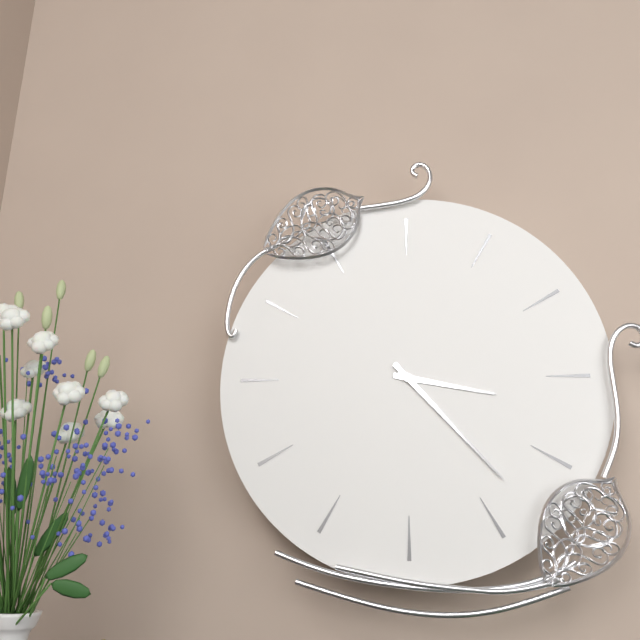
h=3 m=23
